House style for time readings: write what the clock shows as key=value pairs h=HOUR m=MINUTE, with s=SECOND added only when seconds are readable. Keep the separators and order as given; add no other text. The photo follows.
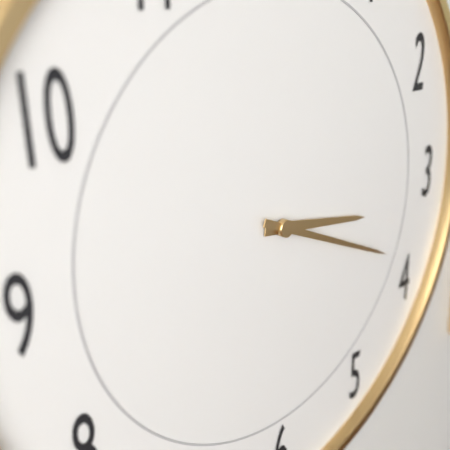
h=3 m=19
